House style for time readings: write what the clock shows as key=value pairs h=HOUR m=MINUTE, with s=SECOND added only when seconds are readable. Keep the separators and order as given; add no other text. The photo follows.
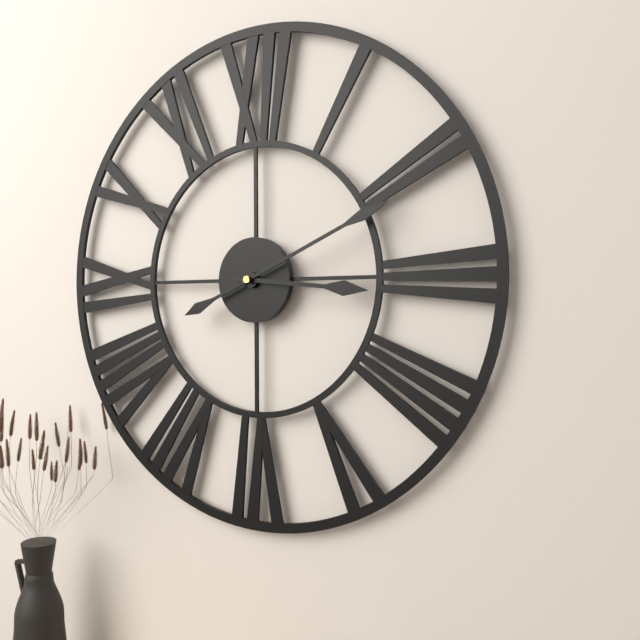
h=3 m=11
